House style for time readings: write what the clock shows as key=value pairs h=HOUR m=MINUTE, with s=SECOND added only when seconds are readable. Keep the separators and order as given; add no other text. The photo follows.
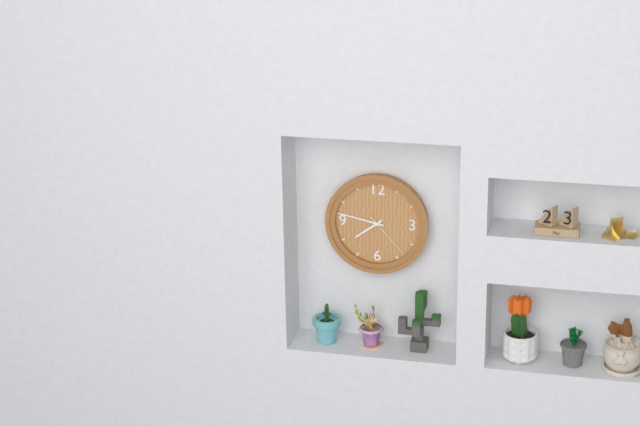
h=7 m=47 s=23
